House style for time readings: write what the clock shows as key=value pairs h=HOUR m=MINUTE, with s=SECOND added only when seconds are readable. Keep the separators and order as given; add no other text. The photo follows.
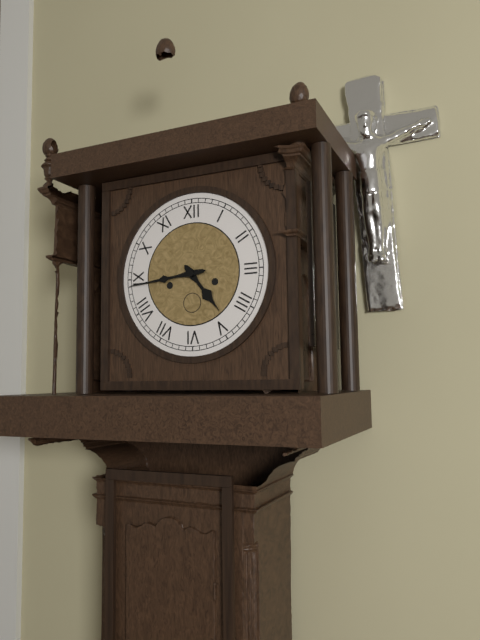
h=4 m=44
